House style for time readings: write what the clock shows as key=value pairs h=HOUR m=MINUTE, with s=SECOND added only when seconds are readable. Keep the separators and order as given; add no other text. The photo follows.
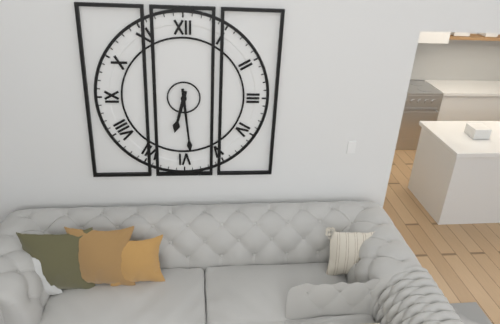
h=6 m=29
